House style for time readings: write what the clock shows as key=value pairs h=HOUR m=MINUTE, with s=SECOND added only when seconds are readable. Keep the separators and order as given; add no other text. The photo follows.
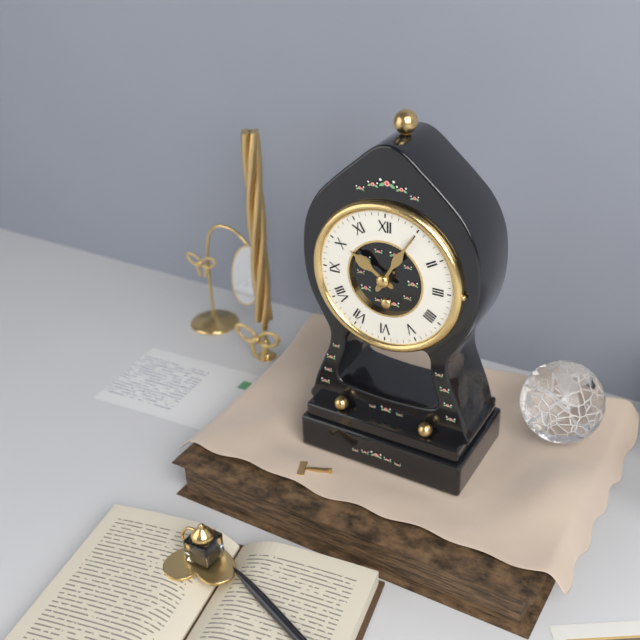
h=10 m=5
